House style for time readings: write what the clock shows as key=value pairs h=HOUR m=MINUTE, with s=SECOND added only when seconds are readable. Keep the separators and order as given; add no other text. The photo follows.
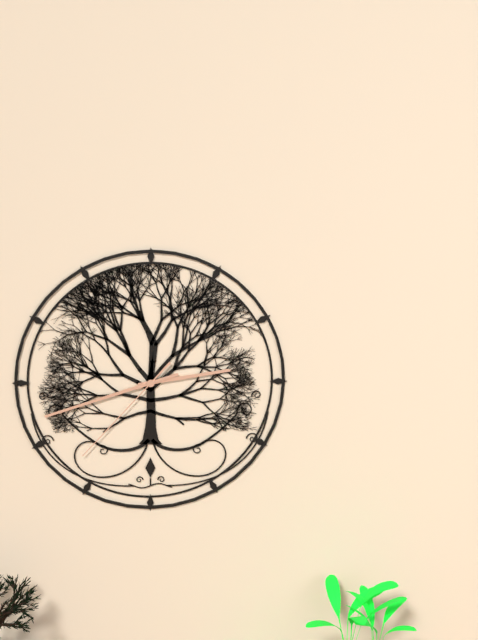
h=2 m=42 s=37
